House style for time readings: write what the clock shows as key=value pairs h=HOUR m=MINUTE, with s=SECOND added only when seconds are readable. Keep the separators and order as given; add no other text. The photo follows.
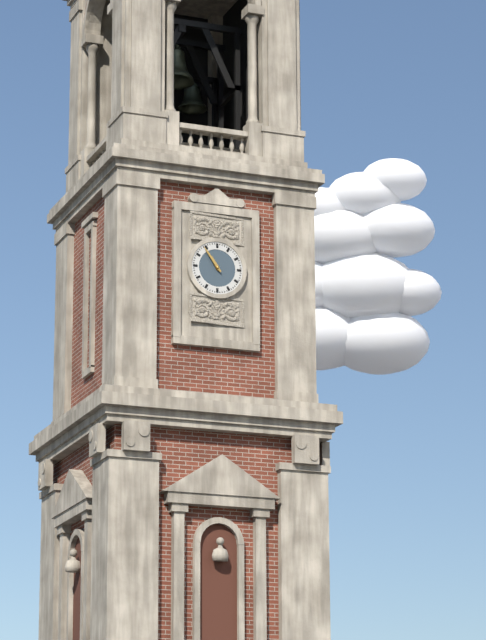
h=10 m=54
